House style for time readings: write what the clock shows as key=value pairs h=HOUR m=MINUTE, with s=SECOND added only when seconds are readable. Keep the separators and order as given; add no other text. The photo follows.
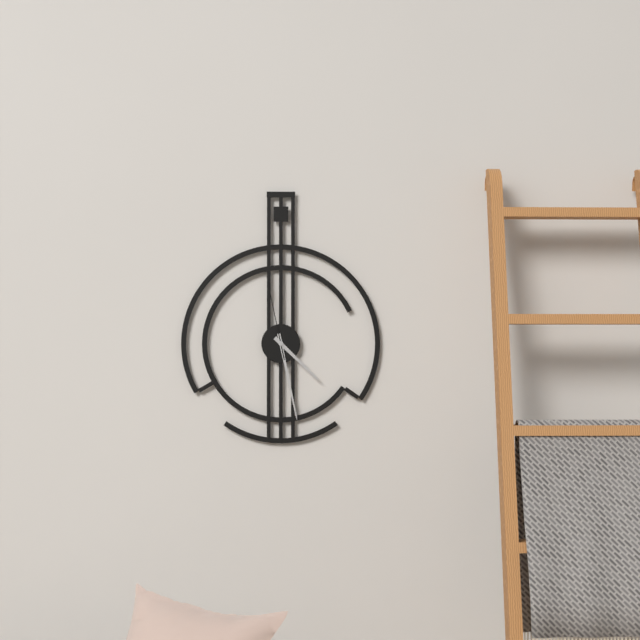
h=4 m=28 s=58
